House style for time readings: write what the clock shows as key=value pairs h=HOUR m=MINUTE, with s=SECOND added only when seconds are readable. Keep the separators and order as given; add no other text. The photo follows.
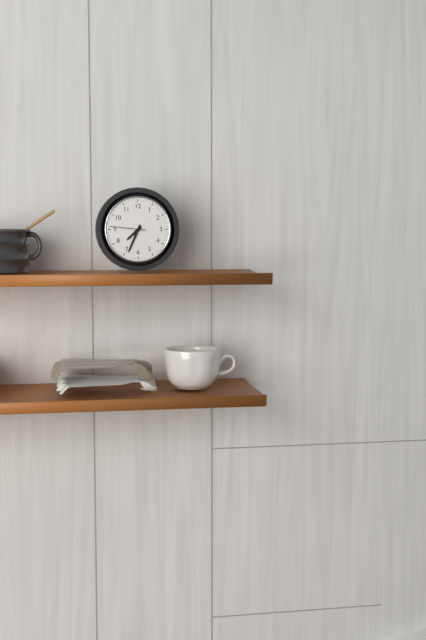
h=7 m=34
